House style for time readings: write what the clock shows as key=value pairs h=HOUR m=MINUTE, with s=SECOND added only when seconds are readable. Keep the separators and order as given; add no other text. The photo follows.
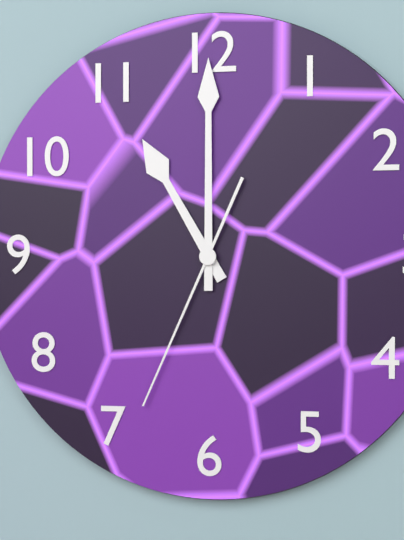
h=11 m=0 s=34
